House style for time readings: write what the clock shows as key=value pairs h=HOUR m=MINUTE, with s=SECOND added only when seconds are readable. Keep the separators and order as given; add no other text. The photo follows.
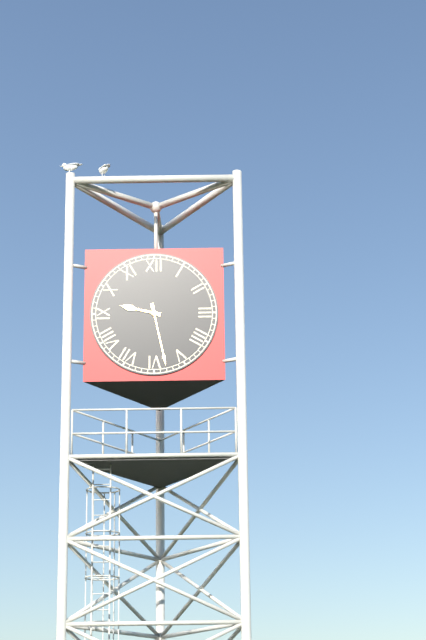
h=9 m=28
